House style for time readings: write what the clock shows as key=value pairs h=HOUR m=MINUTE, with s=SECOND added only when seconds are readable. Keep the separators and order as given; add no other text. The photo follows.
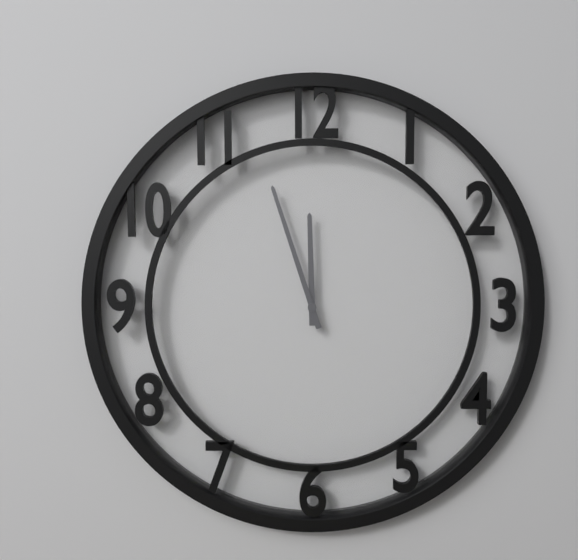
h=11 m=57
